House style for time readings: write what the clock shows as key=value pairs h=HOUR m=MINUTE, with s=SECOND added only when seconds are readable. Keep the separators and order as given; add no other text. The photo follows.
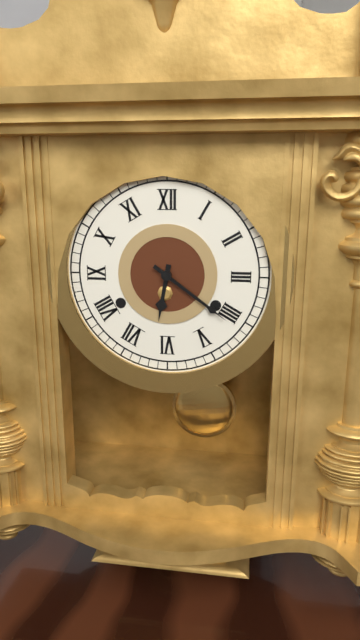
h=6 m=21
